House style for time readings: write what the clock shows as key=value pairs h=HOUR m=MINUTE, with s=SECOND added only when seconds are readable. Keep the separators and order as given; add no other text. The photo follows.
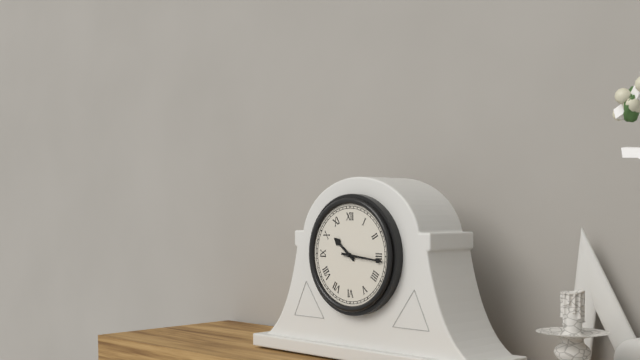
h=10 m=16
